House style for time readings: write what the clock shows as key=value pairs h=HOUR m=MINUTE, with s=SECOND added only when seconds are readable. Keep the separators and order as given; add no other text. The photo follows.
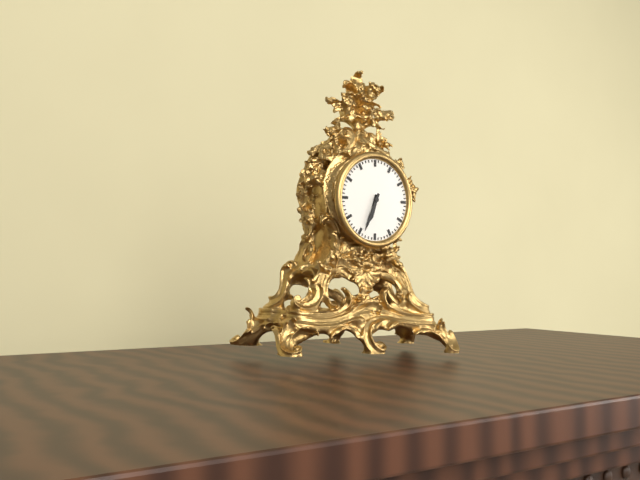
h=6 m=34
